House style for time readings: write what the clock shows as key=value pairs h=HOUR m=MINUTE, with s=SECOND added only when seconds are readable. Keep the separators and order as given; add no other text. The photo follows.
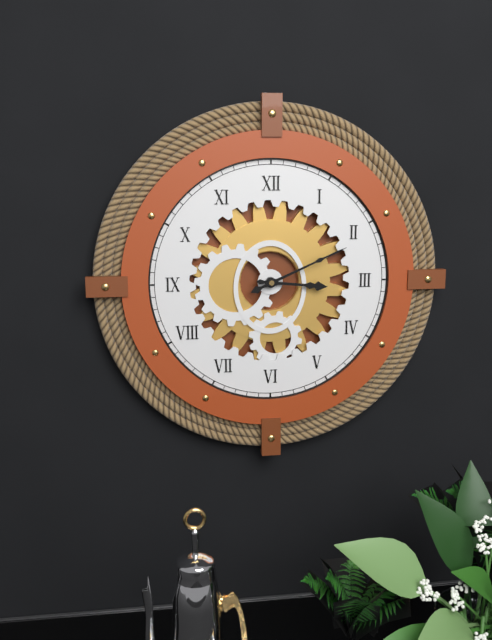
h=3 m=11
